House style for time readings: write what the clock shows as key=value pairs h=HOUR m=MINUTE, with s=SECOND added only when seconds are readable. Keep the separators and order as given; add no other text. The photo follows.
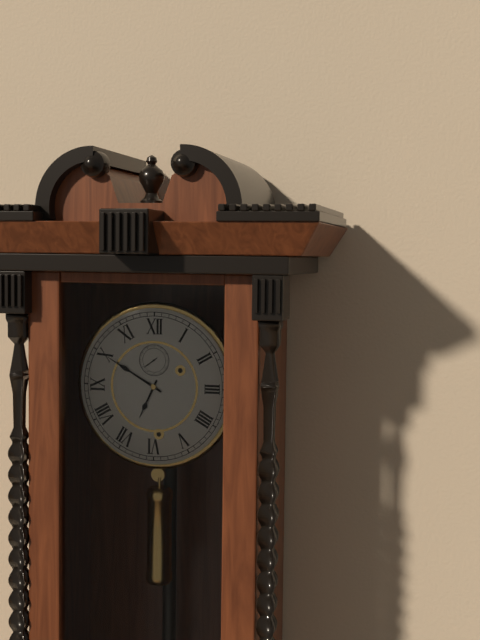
h=6 m=50
